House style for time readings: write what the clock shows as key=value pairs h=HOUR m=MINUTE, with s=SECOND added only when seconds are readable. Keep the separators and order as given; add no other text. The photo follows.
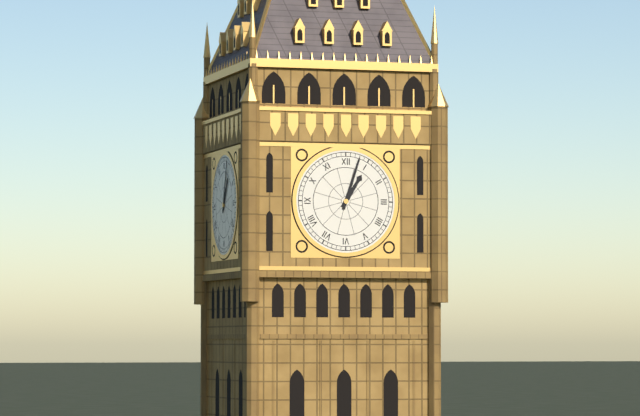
h=1 m=3
